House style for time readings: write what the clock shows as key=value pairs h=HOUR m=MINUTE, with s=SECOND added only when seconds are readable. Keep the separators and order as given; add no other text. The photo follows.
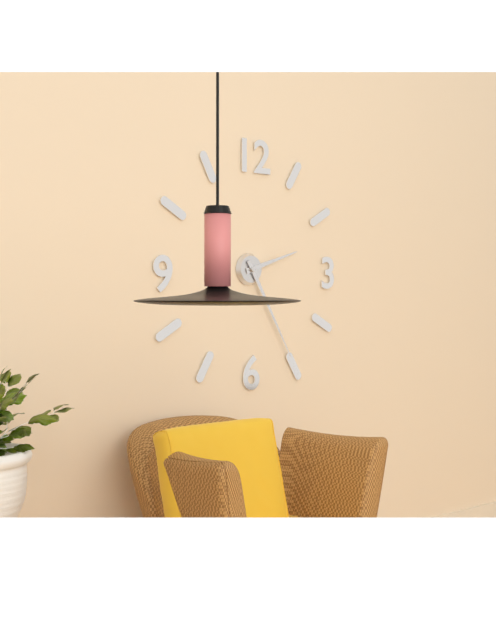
h=2 m=25
